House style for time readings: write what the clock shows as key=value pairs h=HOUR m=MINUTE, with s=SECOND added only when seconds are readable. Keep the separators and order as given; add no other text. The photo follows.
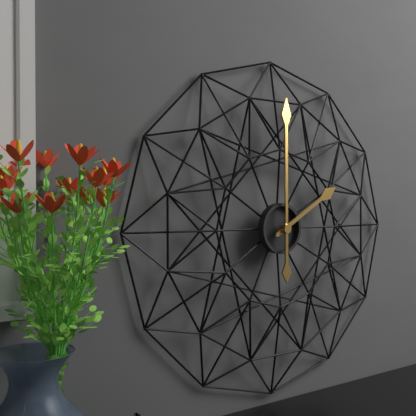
h=2 m=0
